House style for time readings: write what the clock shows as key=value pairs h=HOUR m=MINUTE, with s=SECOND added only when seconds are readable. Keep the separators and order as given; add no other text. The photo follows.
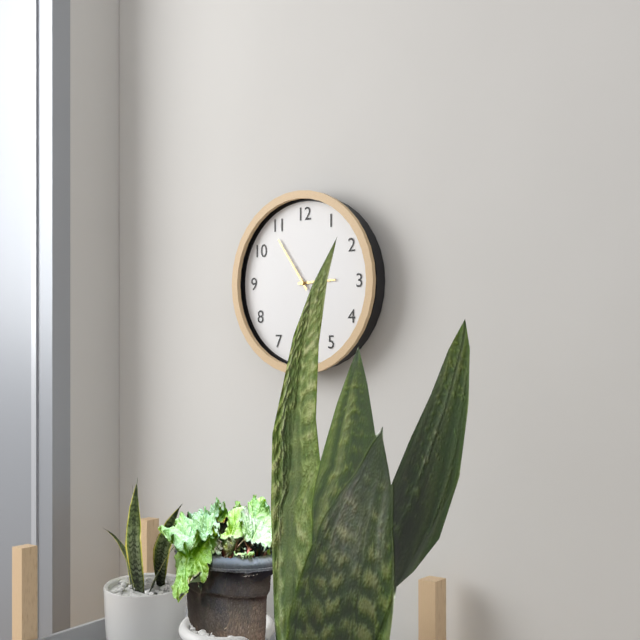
h=2 m=54
